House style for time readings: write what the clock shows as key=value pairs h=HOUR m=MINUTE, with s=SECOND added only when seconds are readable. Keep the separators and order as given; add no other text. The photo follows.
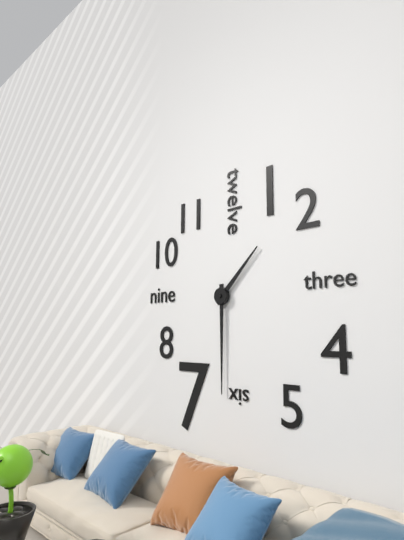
h=1 m=30
